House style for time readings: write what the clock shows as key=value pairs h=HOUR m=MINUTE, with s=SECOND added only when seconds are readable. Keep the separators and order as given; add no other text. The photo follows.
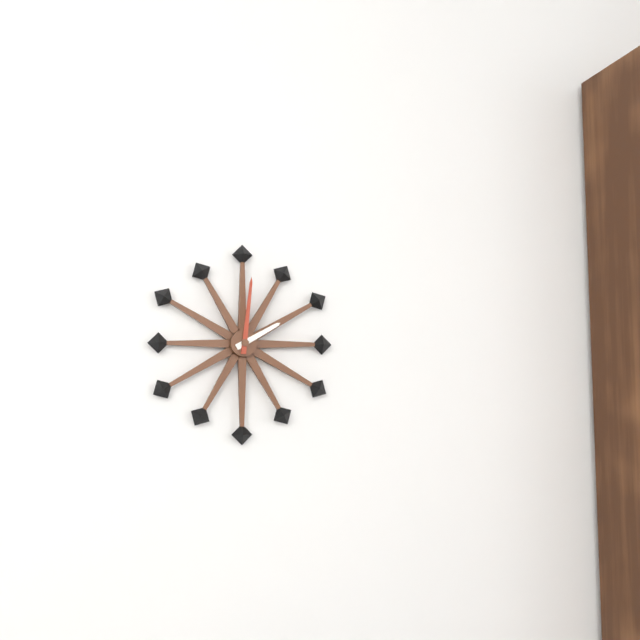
h=2 m=1
